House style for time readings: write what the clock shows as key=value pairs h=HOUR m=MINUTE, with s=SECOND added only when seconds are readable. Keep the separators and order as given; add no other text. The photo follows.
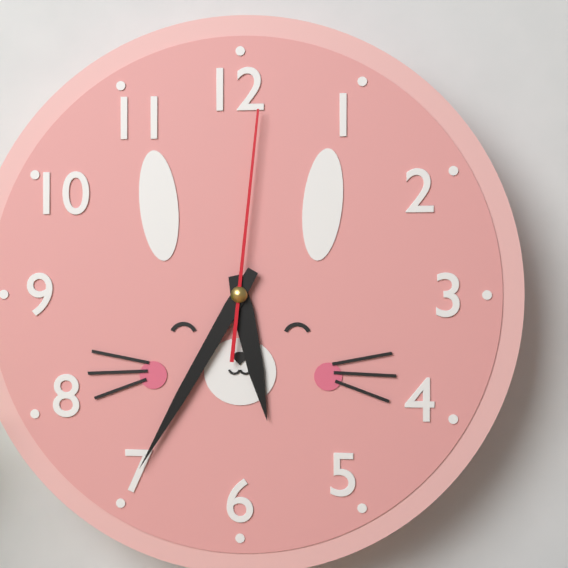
h=5 m=35 s=1
